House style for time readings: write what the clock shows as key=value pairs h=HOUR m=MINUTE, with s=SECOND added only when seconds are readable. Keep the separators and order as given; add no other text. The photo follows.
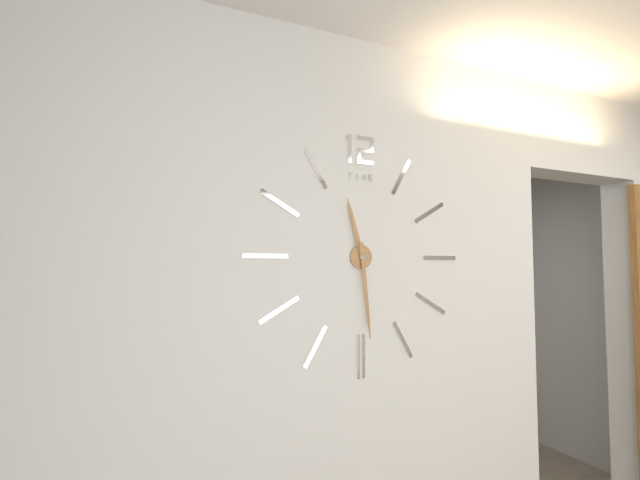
h=11 m=29
